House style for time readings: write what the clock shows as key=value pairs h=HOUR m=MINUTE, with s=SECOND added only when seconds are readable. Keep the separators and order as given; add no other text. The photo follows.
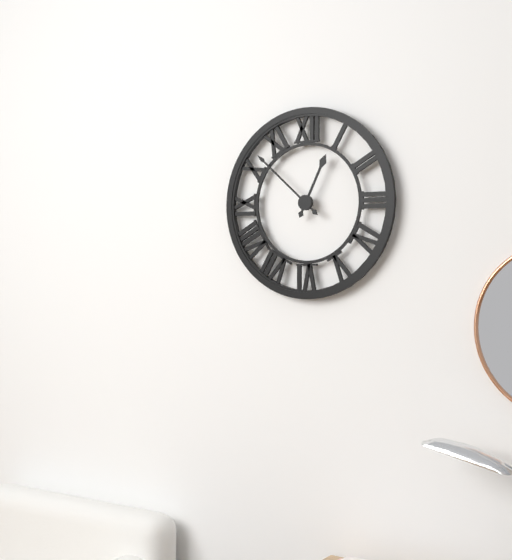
h=12 m=52
